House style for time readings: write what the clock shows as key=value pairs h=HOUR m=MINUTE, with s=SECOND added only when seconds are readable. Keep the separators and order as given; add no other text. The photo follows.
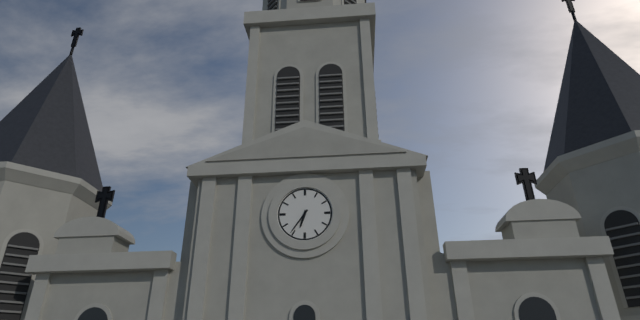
h=6 m=36
